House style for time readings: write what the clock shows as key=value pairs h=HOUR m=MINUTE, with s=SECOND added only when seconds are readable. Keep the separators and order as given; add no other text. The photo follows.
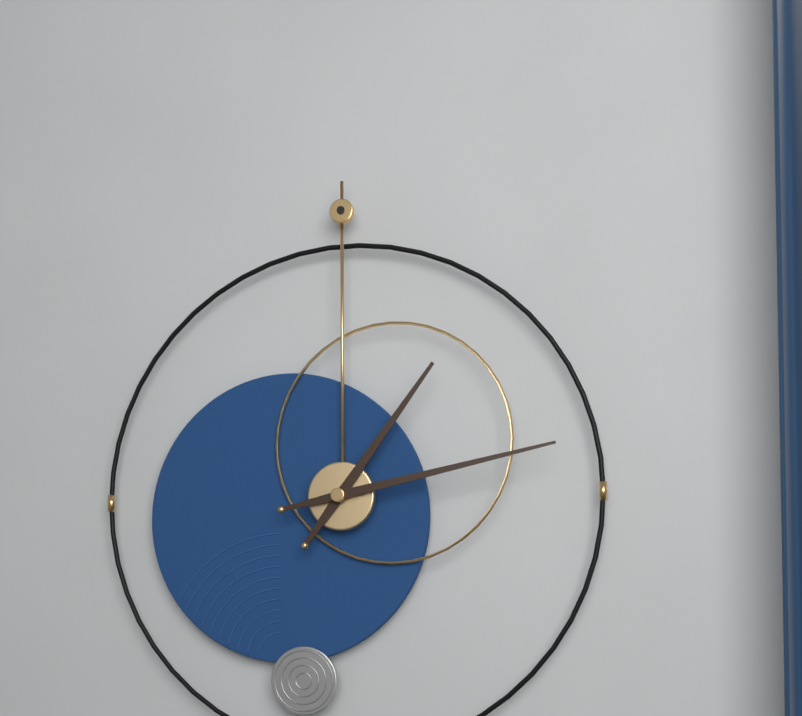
h=1 m=13
